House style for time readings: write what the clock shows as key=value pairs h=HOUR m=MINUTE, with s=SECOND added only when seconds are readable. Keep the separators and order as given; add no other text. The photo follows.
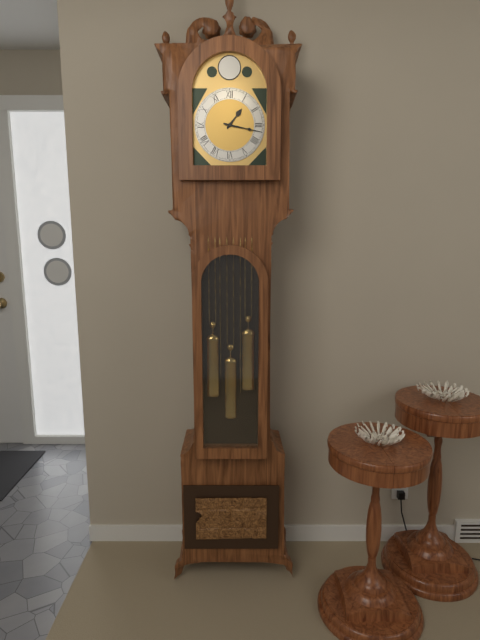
h=1 m=17
